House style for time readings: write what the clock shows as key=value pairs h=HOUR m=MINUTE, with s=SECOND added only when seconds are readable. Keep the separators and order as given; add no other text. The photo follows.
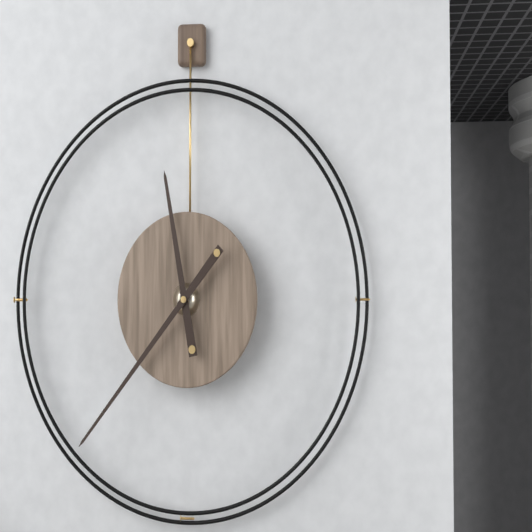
h=11 m=37
